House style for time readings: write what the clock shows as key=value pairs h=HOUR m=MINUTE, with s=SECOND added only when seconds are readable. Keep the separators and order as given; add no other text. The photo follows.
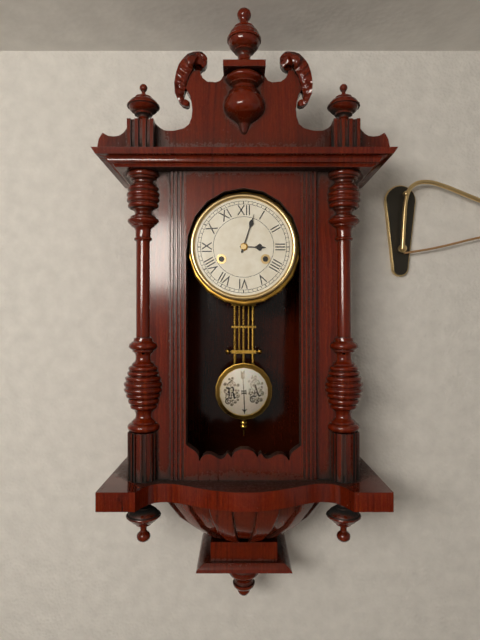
h=3 m=3
